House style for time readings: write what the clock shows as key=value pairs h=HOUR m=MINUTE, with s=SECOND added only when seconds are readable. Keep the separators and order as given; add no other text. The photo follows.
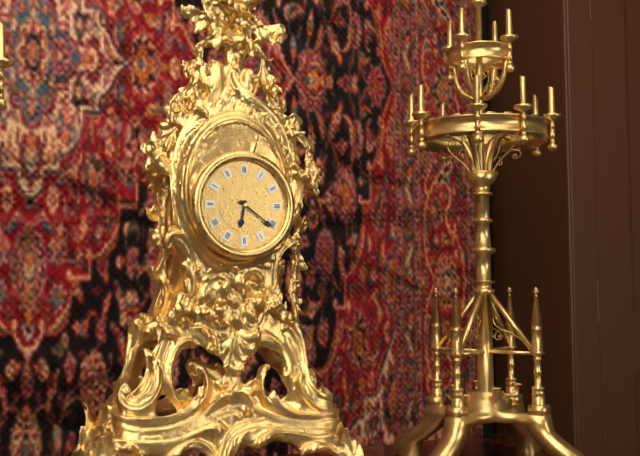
h=6 m=21
